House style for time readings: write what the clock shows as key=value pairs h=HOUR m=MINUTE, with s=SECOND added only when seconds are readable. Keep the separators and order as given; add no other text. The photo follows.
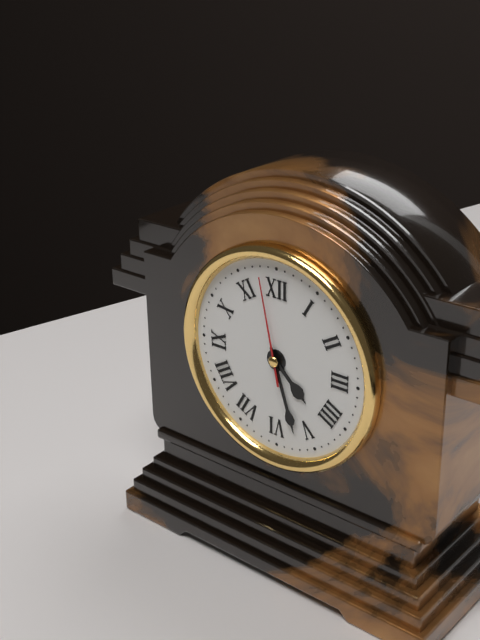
h=4 m=27 s=58
